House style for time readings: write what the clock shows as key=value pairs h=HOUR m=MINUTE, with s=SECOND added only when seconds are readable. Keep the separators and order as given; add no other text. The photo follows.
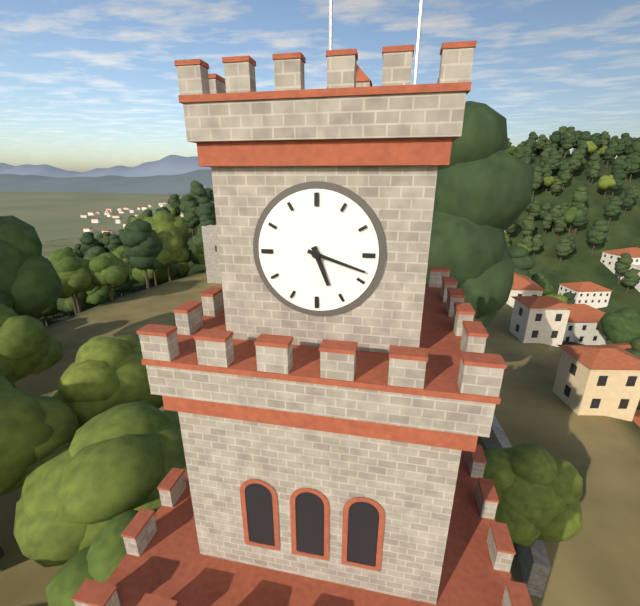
h=5 m=18
